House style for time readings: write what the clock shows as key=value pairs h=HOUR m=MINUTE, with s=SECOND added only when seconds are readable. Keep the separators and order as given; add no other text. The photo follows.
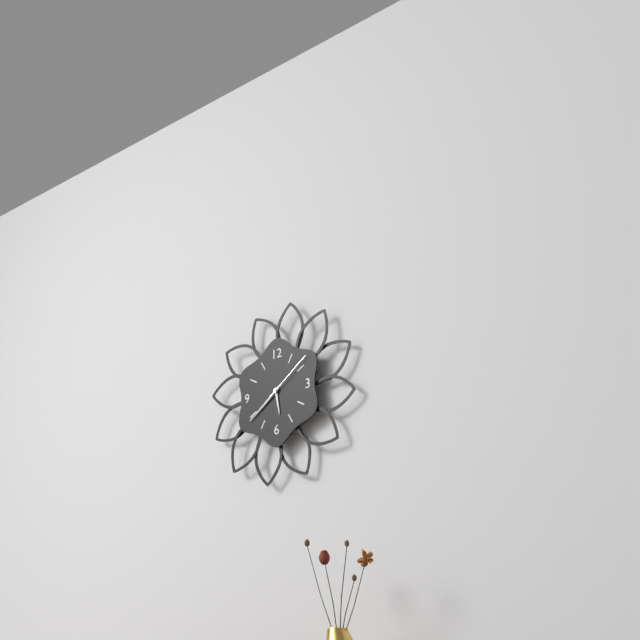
h=5 m=39 s=9
